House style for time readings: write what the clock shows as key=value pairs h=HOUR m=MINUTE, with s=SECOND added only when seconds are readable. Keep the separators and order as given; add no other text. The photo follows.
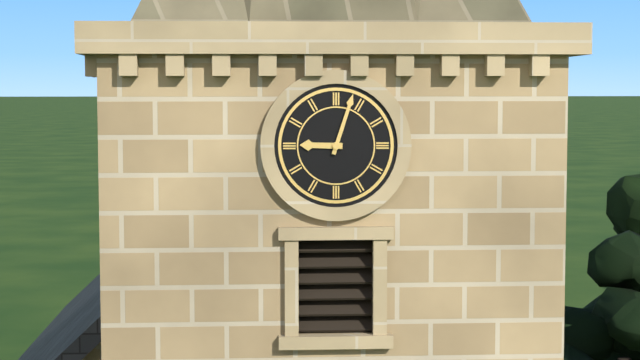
h=9 m=3
